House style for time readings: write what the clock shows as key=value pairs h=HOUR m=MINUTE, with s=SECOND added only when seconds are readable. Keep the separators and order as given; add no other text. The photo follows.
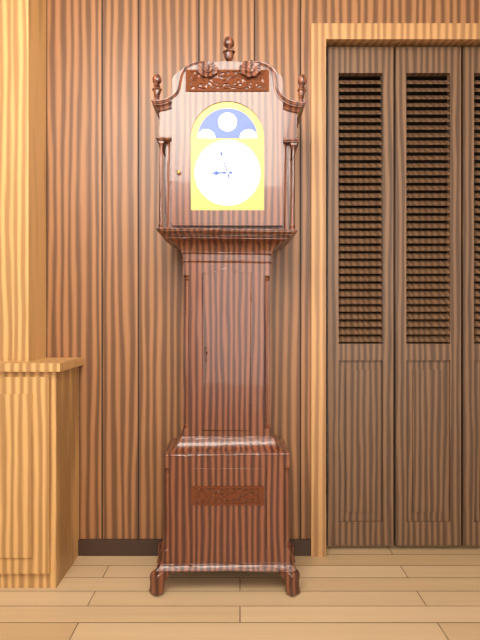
h=8 m=57
